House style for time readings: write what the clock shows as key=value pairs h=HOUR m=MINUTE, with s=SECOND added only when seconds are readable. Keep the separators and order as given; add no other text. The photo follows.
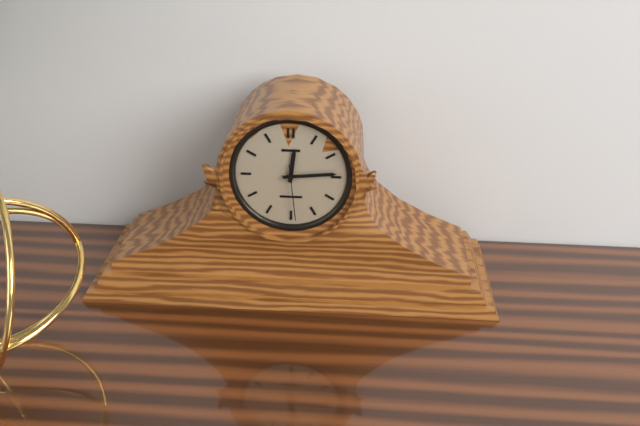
h=12 m=14 s=29
